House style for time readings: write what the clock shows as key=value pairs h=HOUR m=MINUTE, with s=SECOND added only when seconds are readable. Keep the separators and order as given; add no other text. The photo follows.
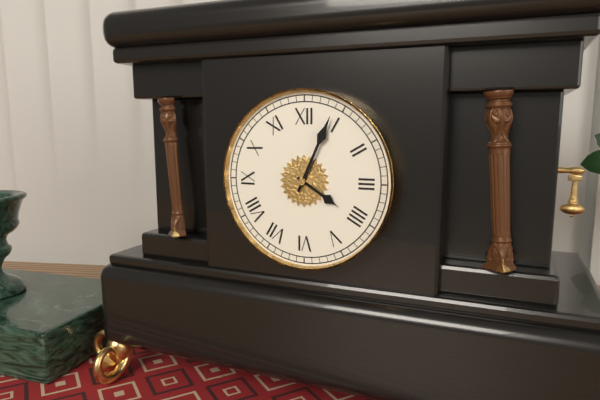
h=4 m=4
